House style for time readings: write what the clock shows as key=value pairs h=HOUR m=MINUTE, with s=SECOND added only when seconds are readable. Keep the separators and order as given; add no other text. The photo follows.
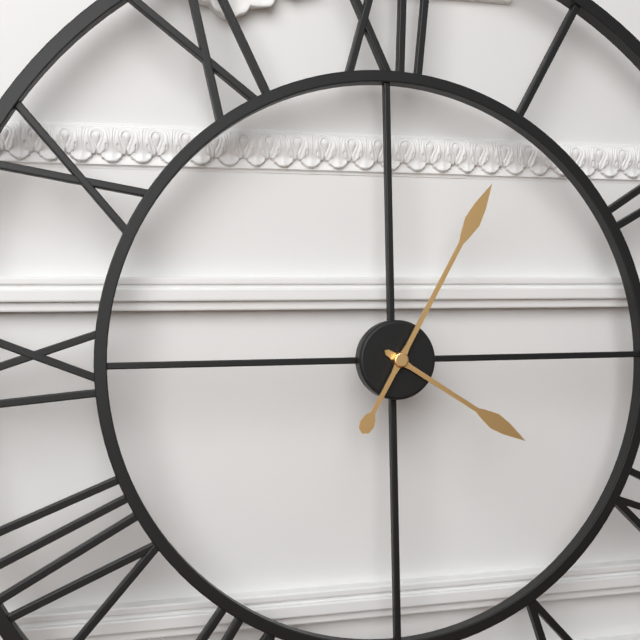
h=4 m=5
